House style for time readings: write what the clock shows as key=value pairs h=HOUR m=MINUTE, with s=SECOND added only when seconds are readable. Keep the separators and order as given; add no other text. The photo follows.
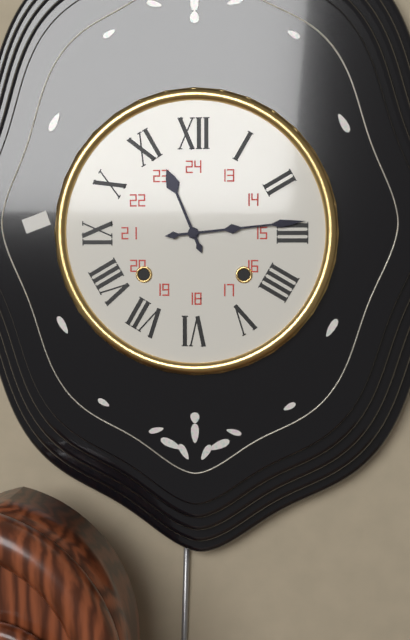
h=11 m=14
